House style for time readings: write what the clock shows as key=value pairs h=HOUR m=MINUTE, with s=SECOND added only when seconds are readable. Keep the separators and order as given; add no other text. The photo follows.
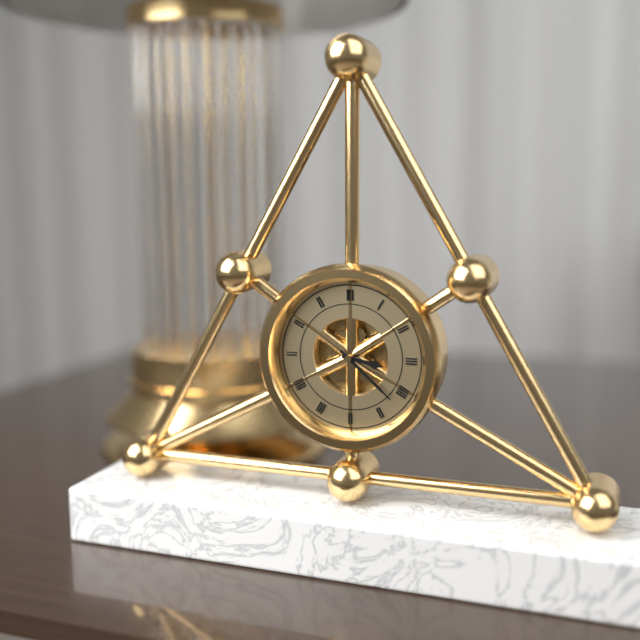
h=3 m=22
